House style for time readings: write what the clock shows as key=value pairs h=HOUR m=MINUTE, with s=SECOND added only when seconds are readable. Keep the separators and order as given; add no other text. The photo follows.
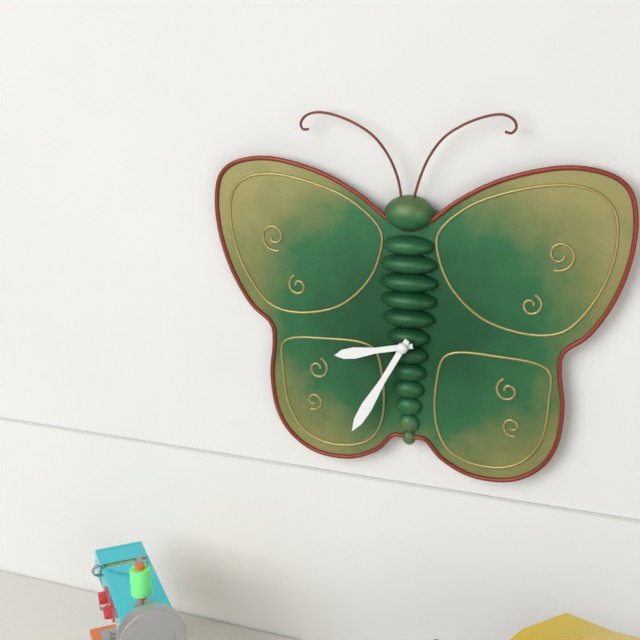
h=8 m=35
